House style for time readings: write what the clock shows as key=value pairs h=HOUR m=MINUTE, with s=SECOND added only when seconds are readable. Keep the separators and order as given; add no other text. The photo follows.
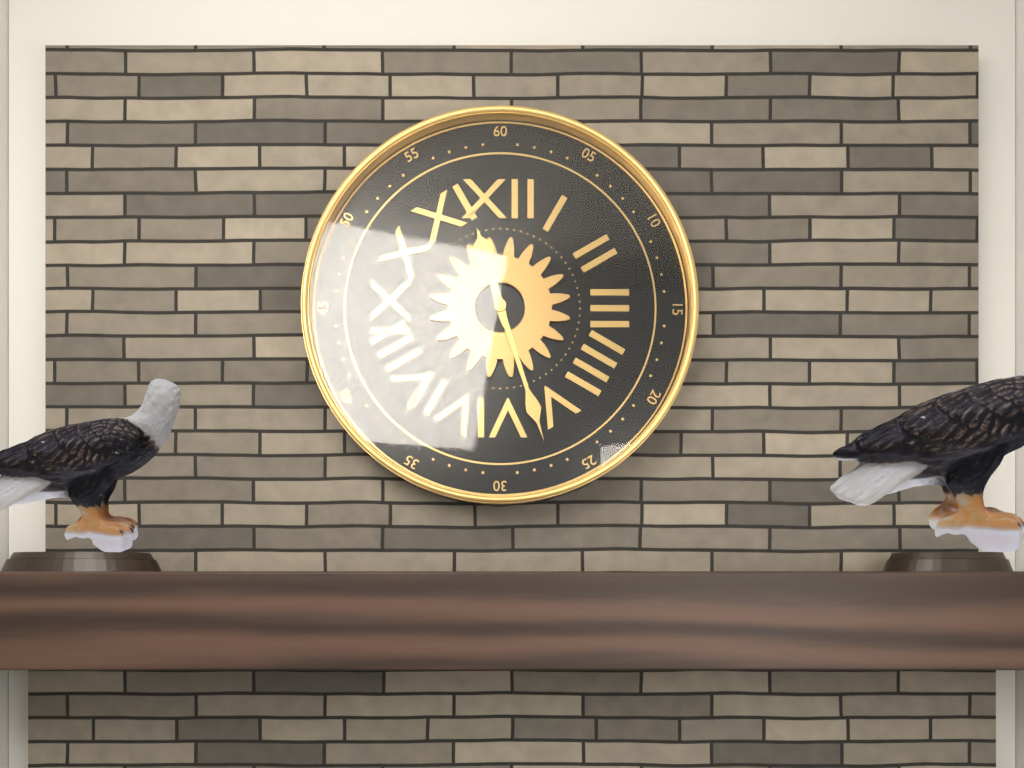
h=11 m=27
